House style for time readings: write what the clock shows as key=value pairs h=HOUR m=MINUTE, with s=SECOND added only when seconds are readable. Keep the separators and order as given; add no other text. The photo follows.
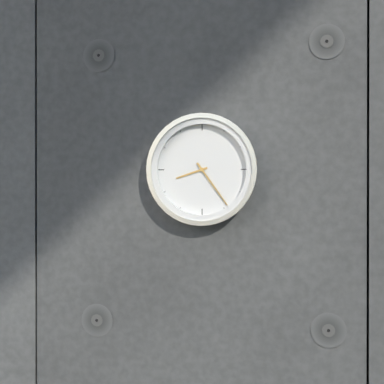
h=8 m=24
